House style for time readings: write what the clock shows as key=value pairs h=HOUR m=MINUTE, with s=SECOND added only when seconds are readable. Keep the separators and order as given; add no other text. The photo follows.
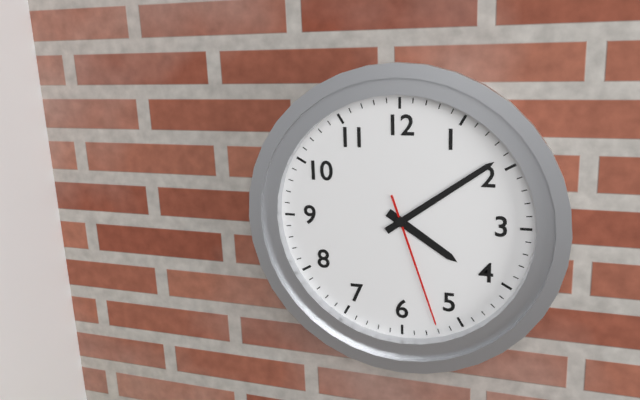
h=4 m=9 s=27
